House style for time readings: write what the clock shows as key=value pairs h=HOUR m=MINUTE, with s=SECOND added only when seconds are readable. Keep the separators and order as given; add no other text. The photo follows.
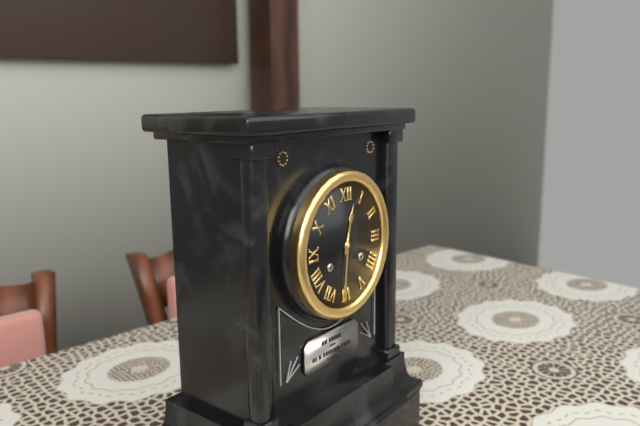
h=12 m=31
